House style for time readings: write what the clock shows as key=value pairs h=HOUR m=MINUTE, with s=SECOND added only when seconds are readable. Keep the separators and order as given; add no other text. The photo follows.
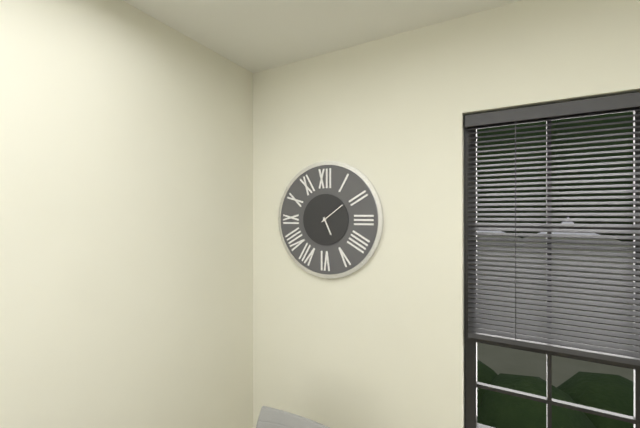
h=5 m=9
